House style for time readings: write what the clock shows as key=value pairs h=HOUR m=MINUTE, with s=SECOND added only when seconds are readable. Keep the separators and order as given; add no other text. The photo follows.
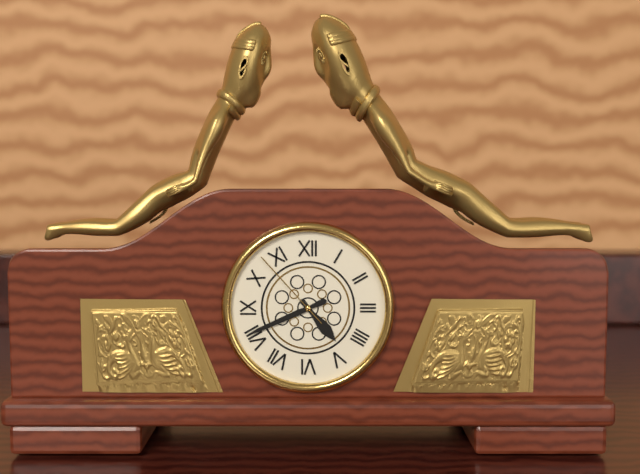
h=4 m=41 s=53
